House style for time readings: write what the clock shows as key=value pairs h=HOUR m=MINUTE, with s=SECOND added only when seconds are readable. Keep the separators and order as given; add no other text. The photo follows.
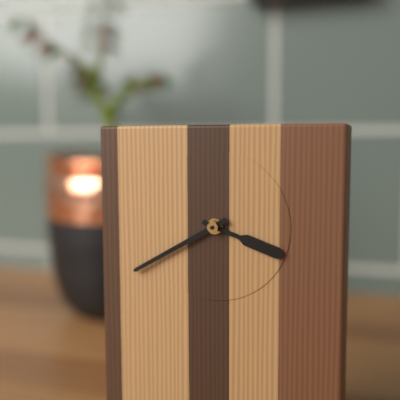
h=3 m=40
